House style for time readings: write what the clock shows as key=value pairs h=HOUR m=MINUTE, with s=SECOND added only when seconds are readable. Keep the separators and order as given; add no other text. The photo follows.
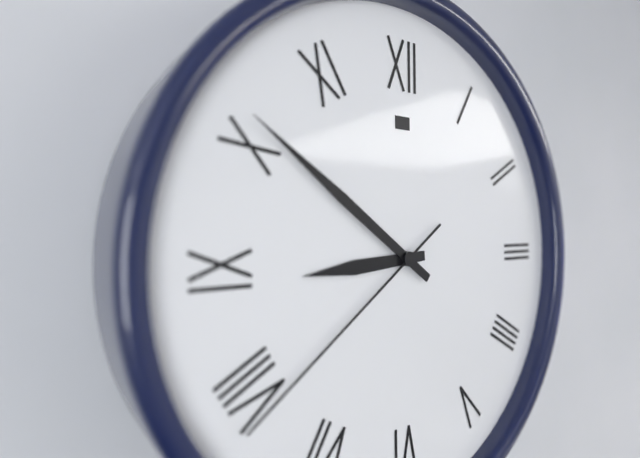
h=8 m=51 s=39
